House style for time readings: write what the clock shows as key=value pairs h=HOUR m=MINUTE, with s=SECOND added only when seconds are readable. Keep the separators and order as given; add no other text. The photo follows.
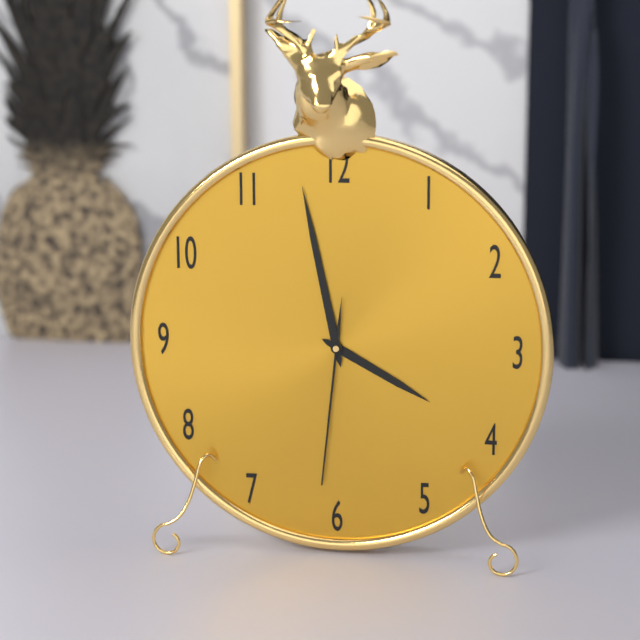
h=3 m=58 s=31
